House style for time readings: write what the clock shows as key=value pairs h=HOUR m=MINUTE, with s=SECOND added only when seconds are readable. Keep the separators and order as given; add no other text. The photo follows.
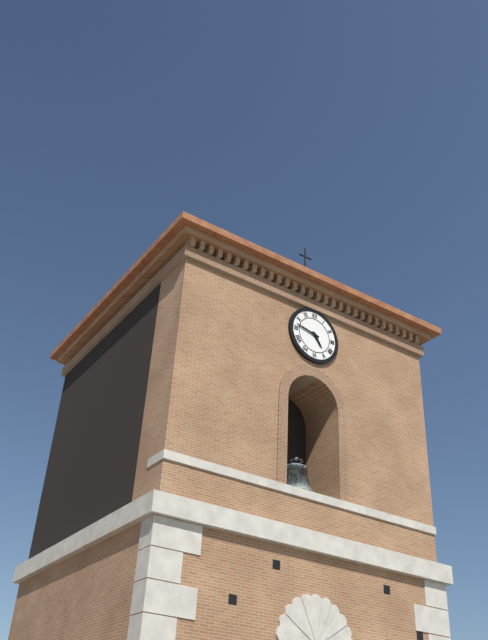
h=4 m=47
